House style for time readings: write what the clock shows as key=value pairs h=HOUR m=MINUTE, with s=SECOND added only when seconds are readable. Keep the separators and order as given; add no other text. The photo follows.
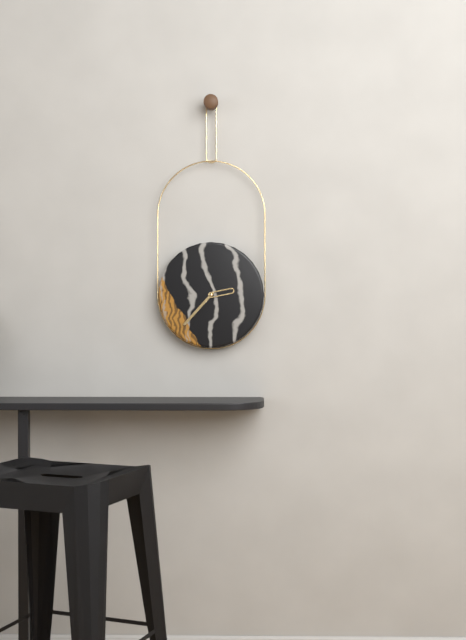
h=2 m=37
